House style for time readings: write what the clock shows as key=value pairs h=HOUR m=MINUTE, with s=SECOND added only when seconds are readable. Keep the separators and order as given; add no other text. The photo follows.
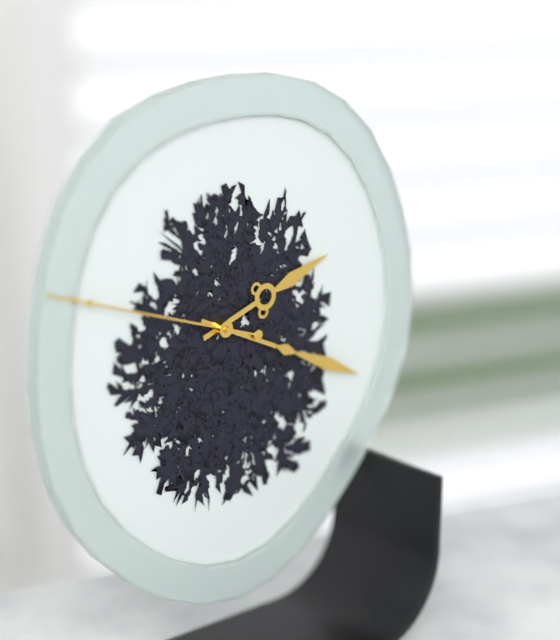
h=2 m=19 s=48
